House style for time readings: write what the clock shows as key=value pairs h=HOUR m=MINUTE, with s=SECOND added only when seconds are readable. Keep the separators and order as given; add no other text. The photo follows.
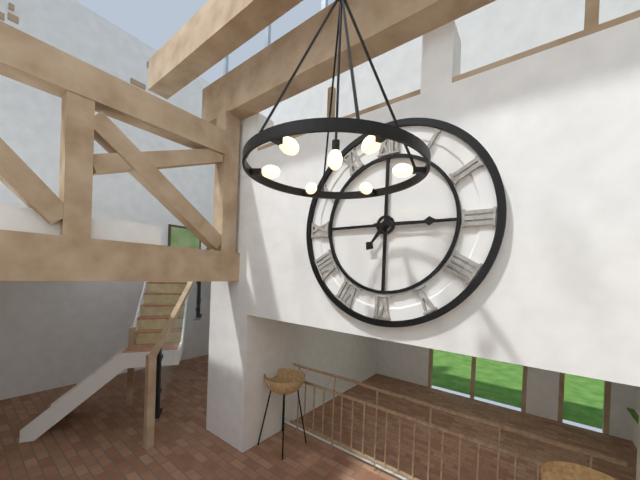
h=7 m=15
